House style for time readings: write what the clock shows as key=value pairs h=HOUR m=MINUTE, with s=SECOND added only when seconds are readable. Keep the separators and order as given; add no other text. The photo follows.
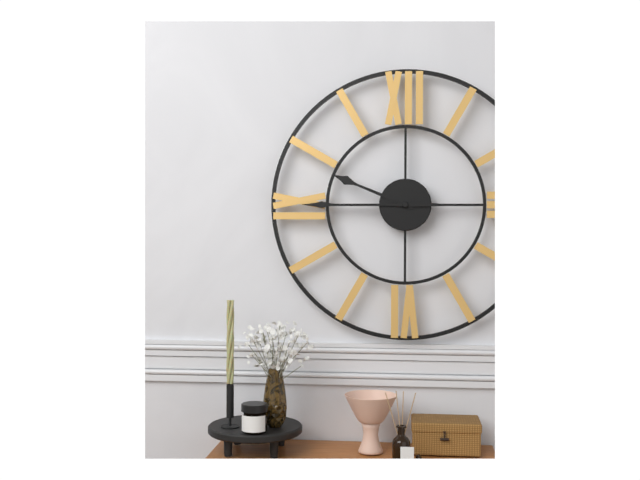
h=9 m=45
